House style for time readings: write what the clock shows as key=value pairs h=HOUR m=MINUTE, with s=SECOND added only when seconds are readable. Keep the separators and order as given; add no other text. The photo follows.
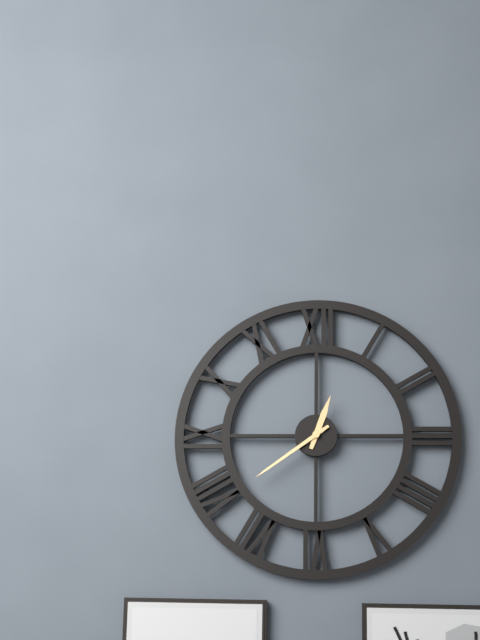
h=12 m=39
